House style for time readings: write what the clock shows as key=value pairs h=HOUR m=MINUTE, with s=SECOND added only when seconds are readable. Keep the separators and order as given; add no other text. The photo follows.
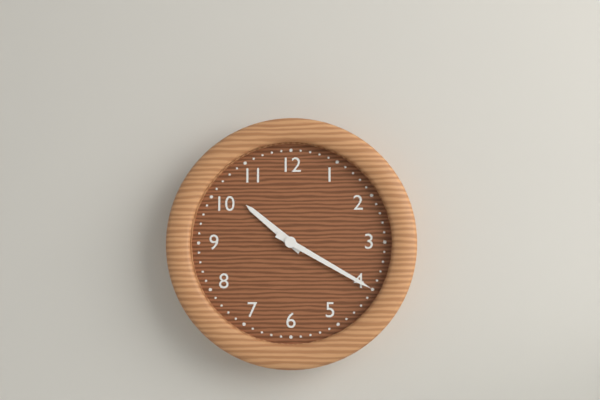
h=10 m=20
